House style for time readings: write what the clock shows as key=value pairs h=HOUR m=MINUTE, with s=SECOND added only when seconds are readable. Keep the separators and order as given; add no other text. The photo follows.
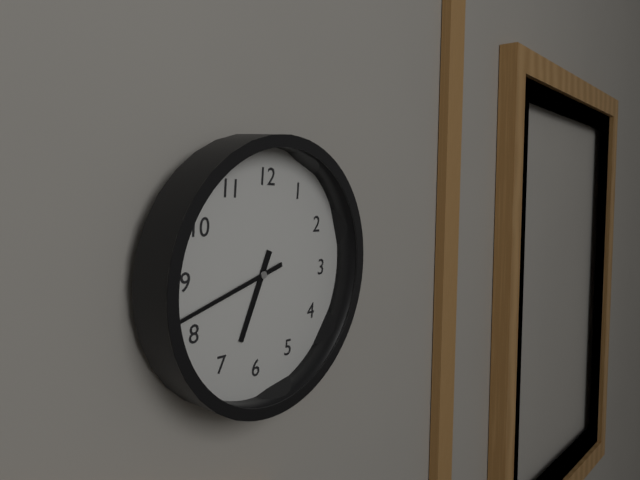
h=6 m=42
